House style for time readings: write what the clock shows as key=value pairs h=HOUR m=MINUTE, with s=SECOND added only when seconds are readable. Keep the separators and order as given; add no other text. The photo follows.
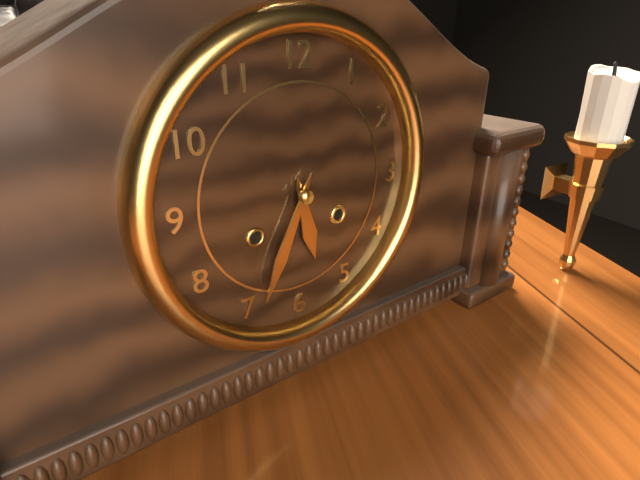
h=5 m=34
